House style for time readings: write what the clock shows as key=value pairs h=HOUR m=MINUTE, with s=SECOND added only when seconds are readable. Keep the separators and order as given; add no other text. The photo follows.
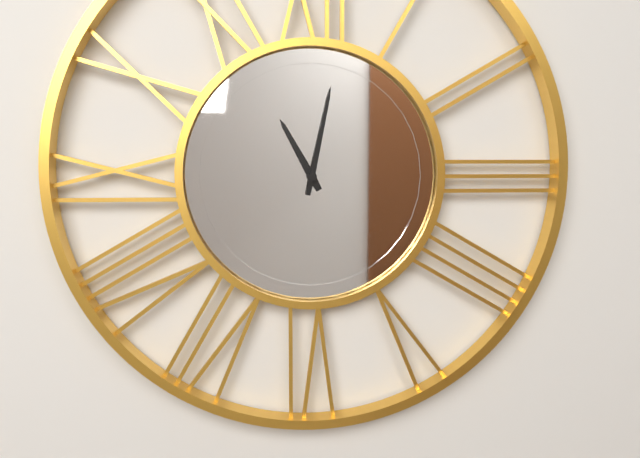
h=11 m=2
